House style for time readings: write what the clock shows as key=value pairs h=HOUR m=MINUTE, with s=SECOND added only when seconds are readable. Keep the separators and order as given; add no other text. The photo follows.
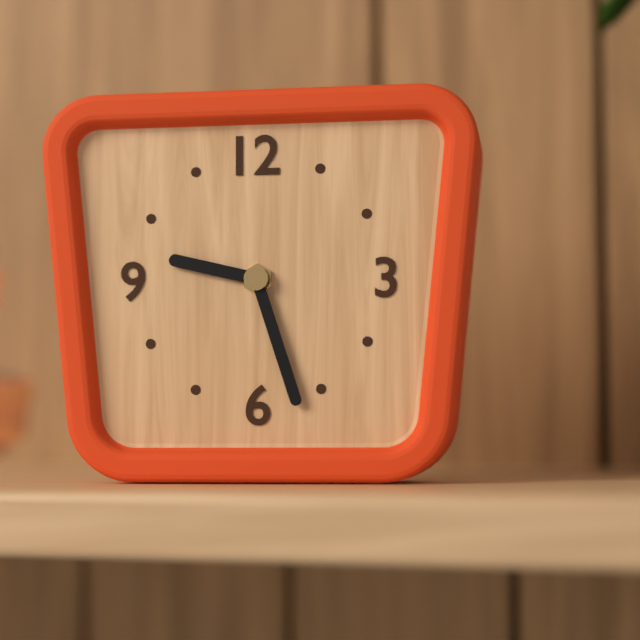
h=9 m=27
